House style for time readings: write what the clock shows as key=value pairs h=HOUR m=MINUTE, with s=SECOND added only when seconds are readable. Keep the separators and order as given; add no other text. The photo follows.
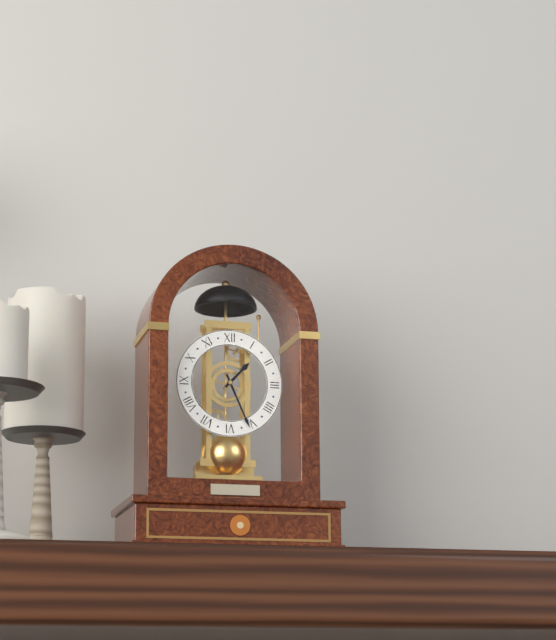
h=1 m=26
